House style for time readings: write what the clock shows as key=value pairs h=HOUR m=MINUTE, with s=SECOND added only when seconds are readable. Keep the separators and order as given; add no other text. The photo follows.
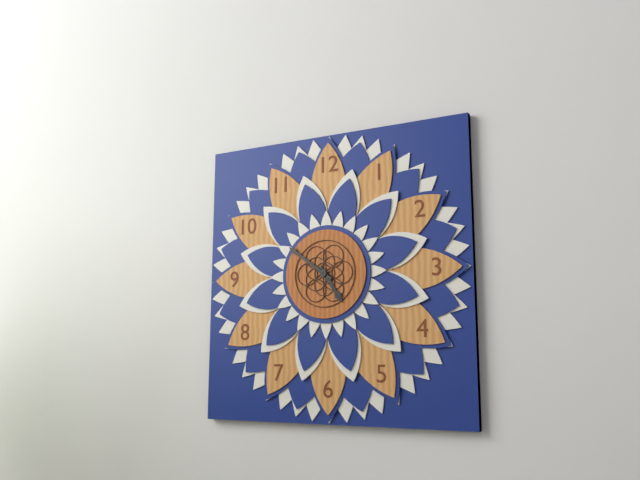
h=4 m=51
